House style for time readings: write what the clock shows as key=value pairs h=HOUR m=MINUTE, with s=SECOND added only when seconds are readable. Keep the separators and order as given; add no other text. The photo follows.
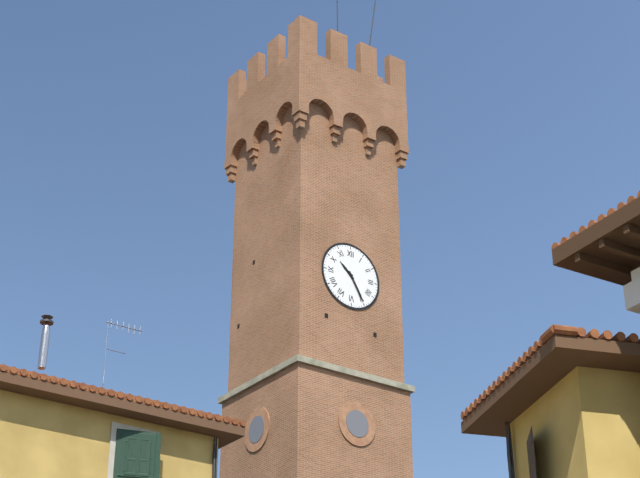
h=10 m=25
